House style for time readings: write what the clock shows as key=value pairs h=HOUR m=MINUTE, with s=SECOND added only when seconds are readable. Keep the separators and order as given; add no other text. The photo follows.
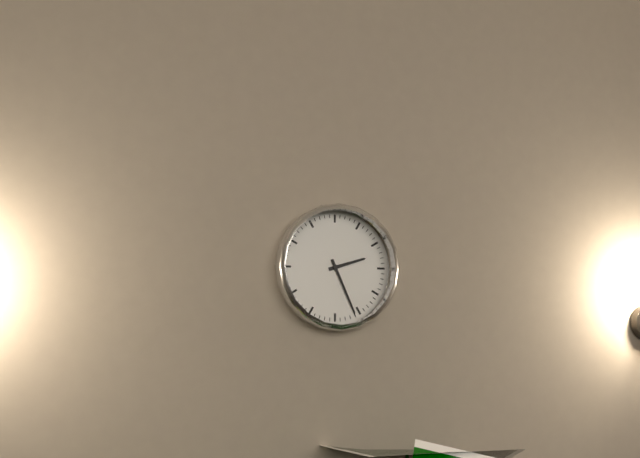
h=2 m=26
